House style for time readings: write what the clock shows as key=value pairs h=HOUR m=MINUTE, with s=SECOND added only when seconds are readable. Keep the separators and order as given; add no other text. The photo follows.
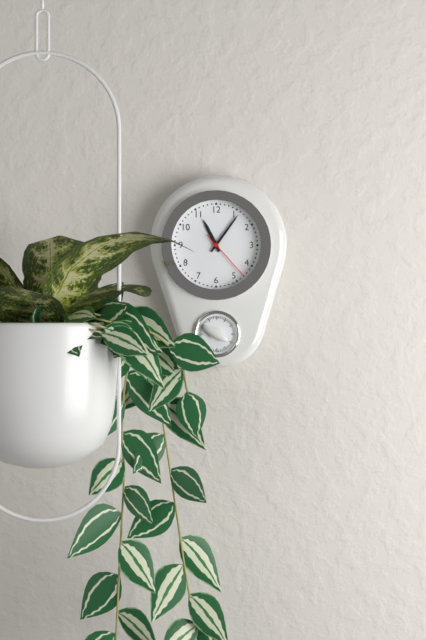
h=11 m=6 s=23
